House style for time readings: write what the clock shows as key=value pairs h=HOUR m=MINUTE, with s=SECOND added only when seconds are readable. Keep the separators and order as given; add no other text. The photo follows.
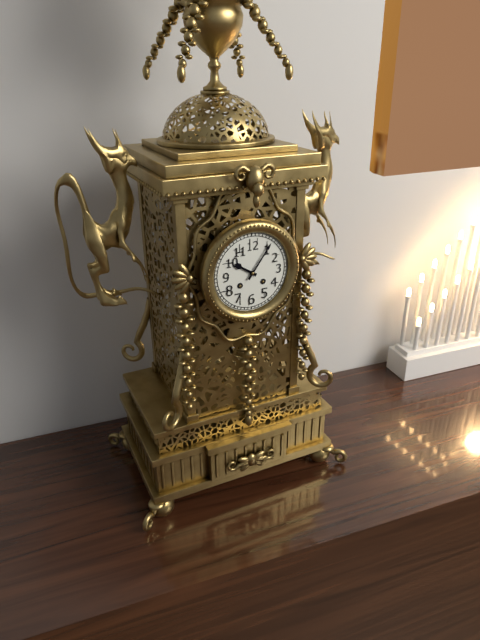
h=10 m=6
